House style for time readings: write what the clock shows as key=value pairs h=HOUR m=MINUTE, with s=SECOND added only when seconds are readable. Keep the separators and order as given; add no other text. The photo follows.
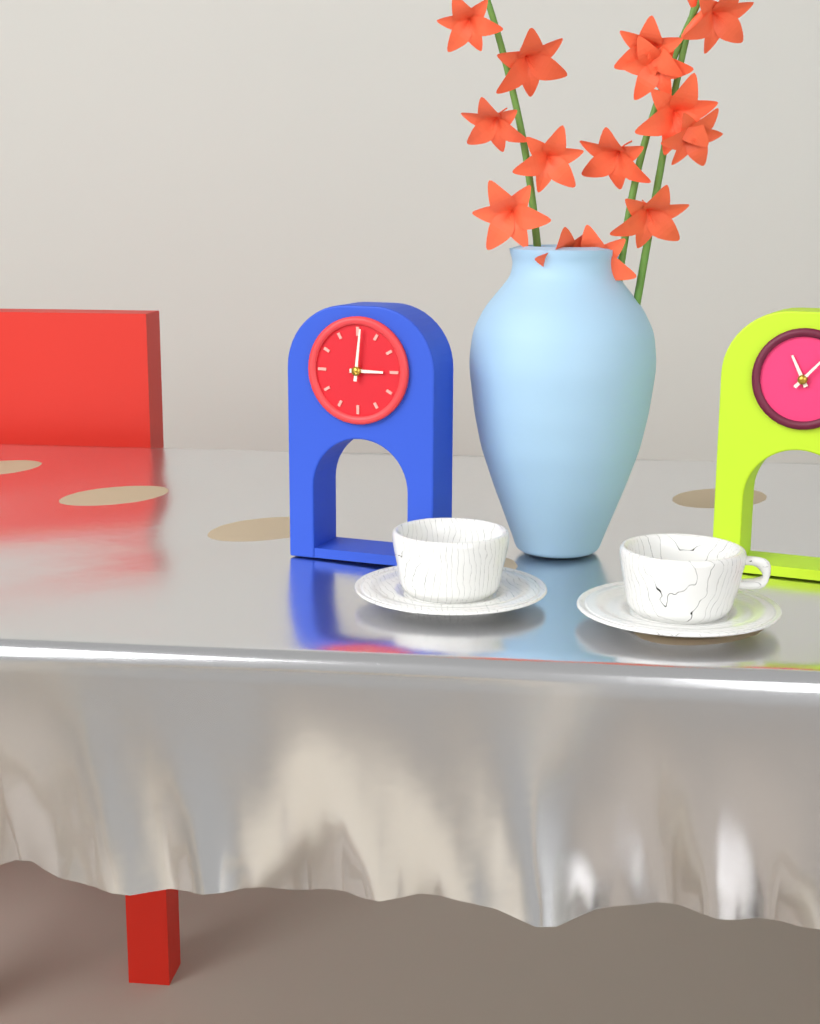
h=3 m=1
